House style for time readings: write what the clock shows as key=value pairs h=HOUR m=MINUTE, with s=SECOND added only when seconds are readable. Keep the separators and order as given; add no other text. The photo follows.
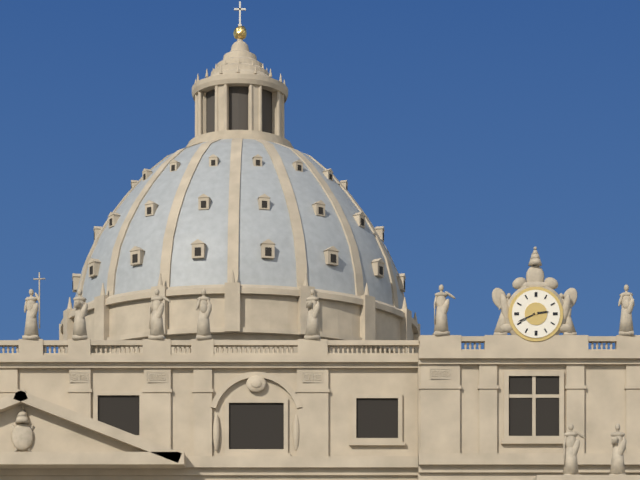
h=2 m=41
